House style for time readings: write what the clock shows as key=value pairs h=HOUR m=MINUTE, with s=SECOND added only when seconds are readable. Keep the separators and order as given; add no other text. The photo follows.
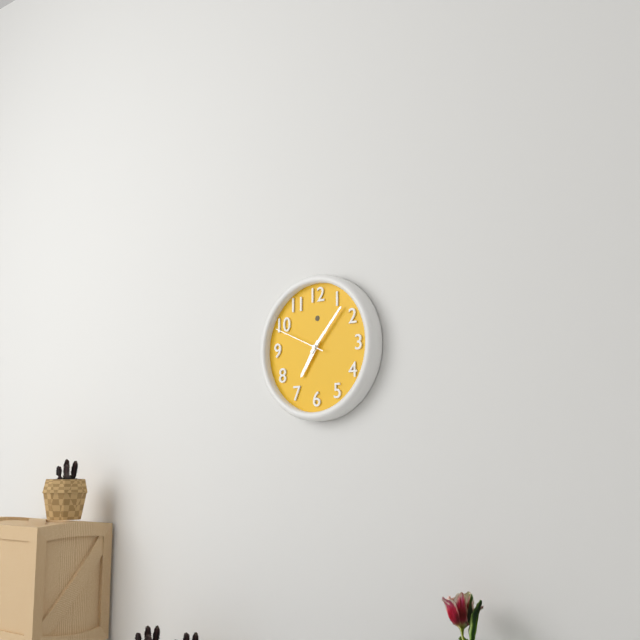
h=7 m=7 s=49
